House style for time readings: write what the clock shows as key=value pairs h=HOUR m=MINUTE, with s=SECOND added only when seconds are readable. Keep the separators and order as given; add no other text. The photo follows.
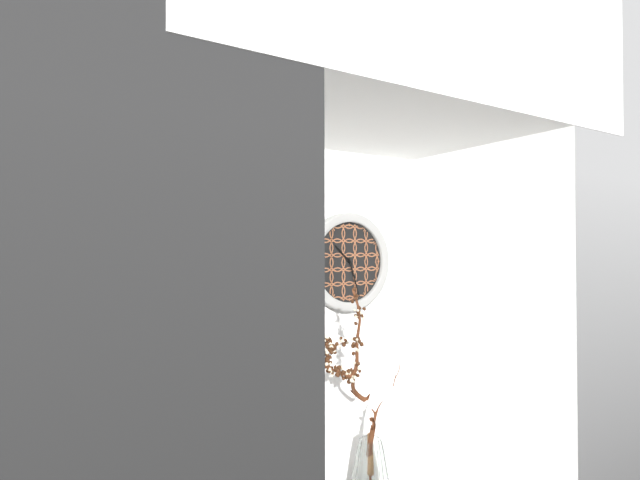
h=10 m=27
